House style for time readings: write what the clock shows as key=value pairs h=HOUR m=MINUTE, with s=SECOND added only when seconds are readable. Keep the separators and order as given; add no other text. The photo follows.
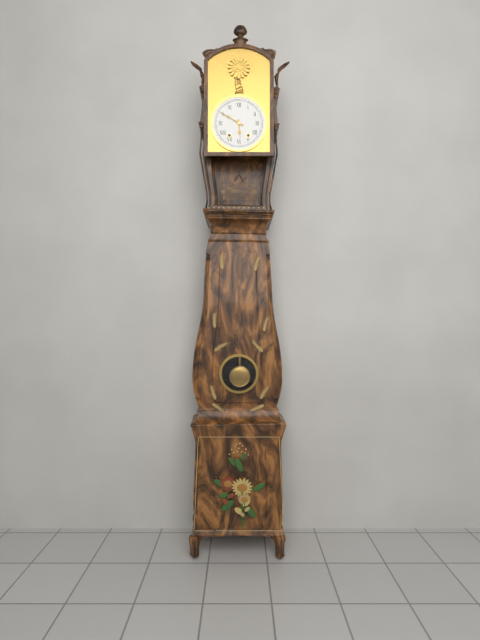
h=5 m=50
